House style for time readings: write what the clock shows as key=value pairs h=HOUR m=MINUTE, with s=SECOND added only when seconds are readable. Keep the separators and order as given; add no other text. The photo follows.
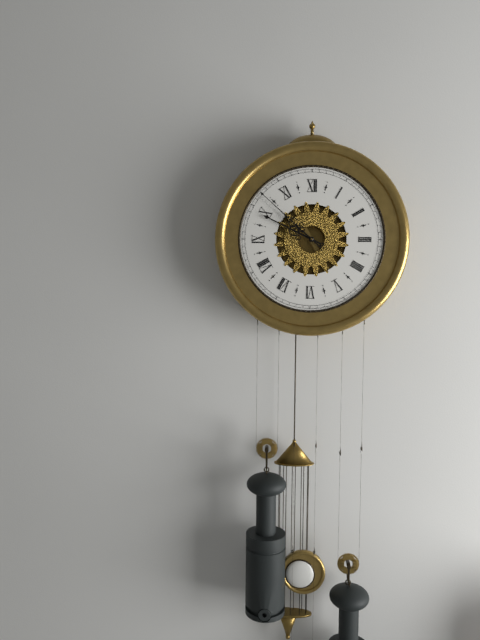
h=9 m=52
